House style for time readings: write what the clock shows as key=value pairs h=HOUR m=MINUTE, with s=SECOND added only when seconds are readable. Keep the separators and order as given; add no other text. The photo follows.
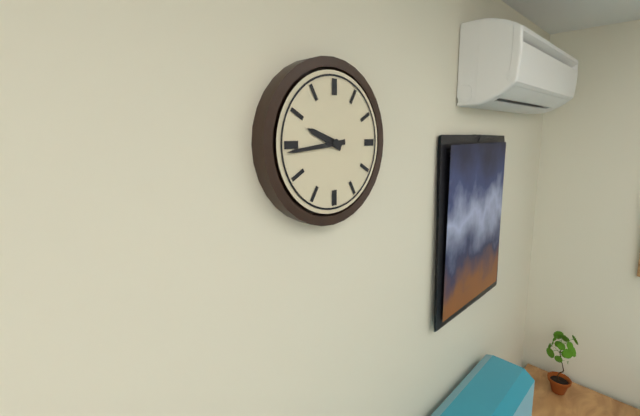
h=9 m=44
